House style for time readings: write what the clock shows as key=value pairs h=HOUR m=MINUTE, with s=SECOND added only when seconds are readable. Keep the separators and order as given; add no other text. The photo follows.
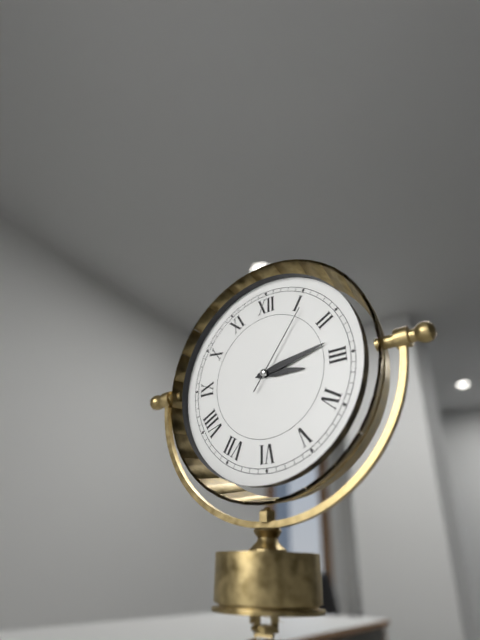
h=3 m=13 s=6
